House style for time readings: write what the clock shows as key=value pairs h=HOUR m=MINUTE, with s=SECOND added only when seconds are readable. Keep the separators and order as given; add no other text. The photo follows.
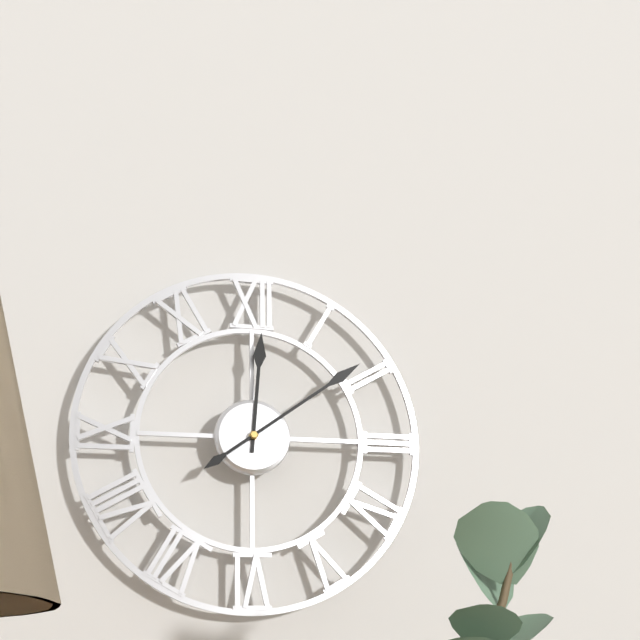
h=12 m=9
